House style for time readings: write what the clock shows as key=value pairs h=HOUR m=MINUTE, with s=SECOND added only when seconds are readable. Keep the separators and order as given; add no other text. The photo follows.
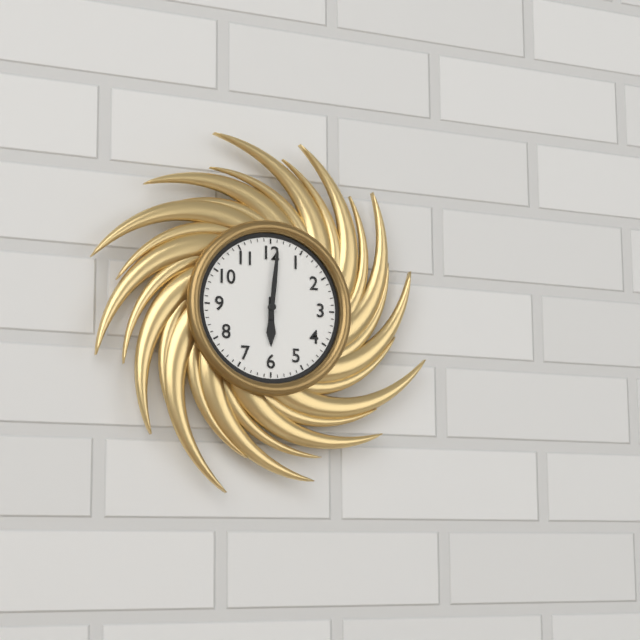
h=6 m=1
